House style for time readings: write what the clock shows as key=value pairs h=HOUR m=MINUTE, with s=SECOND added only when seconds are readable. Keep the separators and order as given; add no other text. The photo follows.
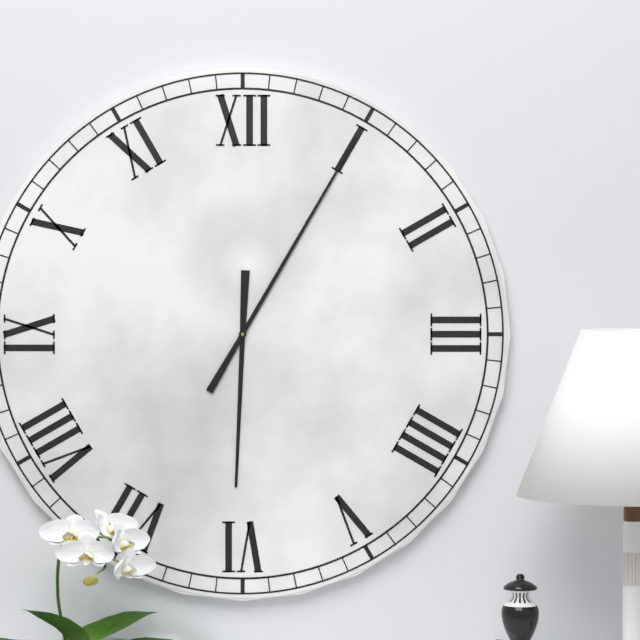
h=6 m=5
